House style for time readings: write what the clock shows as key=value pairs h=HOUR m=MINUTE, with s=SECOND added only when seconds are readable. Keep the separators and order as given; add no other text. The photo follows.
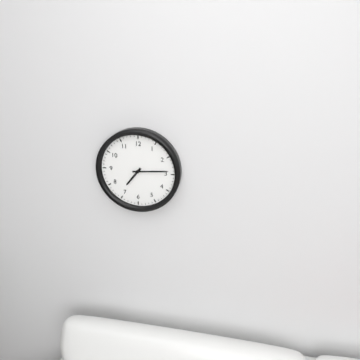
h=7 m=14
